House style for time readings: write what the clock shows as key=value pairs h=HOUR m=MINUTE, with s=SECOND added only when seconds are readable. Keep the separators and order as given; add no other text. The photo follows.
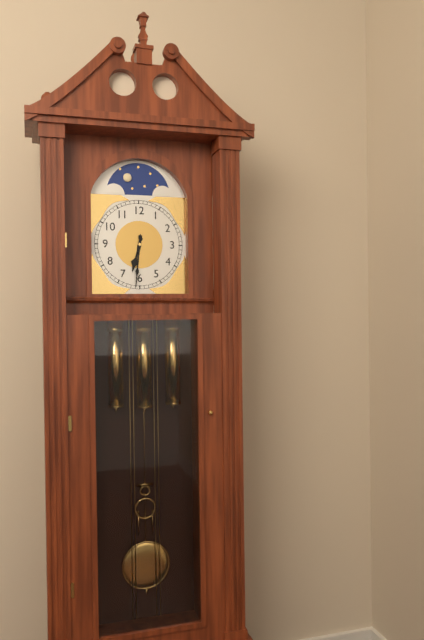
h=6 m=31
